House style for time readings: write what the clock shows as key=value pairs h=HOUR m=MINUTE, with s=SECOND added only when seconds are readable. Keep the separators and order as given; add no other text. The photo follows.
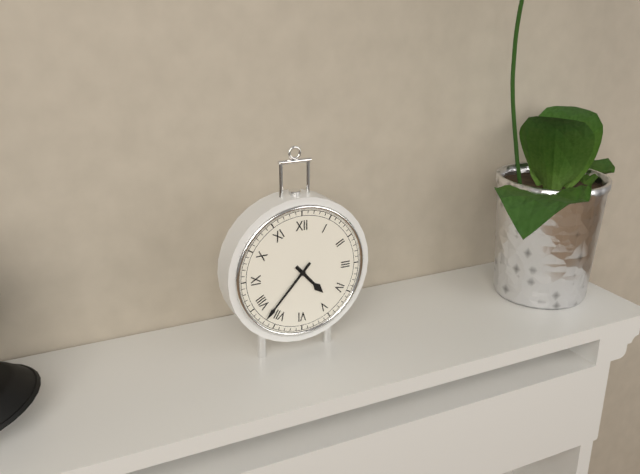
h=4 m=37
